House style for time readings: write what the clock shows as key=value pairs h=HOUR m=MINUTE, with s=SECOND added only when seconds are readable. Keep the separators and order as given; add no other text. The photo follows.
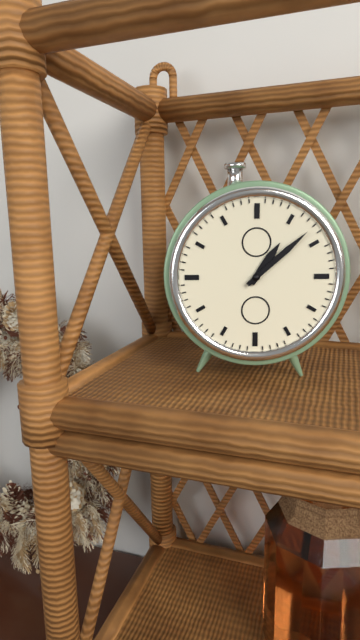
h=1 m=8
